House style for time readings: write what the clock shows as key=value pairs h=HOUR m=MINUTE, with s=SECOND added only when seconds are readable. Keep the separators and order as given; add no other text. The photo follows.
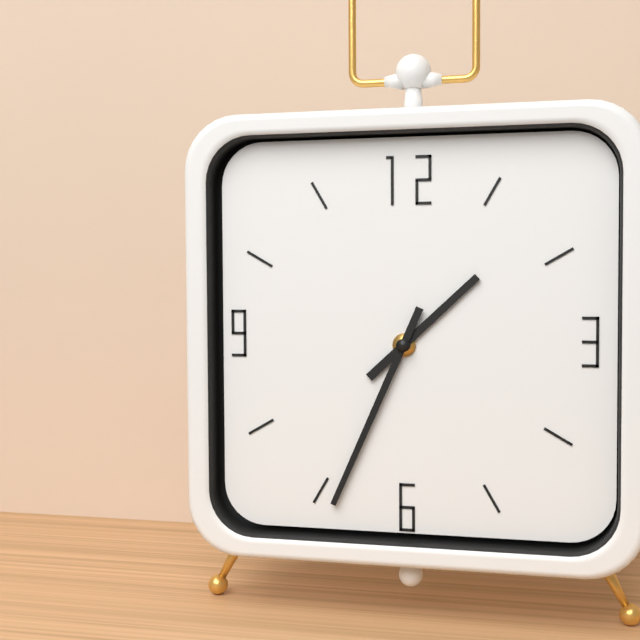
h=1 m=34
